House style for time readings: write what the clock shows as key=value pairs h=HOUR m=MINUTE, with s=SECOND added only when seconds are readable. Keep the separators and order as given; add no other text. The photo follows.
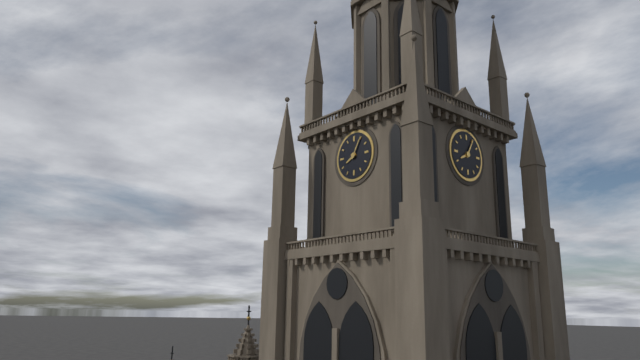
h=8 m=5
